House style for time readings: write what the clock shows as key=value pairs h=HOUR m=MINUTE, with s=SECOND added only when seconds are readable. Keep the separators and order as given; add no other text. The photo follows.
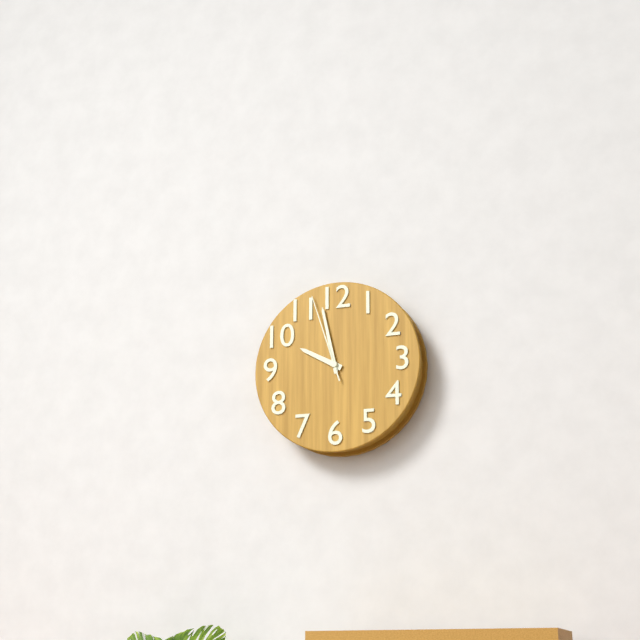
h=9 m=58 s=57
